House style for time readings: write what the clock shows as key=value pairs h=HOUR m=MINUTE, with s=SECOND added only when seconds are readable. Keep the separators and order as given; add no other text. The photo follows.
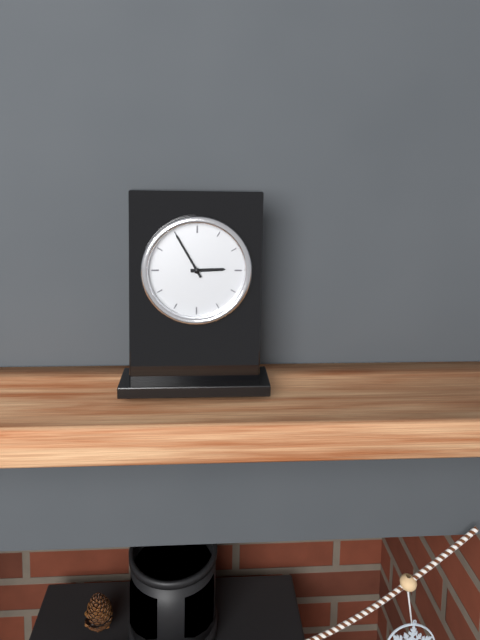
h=2 m=55
